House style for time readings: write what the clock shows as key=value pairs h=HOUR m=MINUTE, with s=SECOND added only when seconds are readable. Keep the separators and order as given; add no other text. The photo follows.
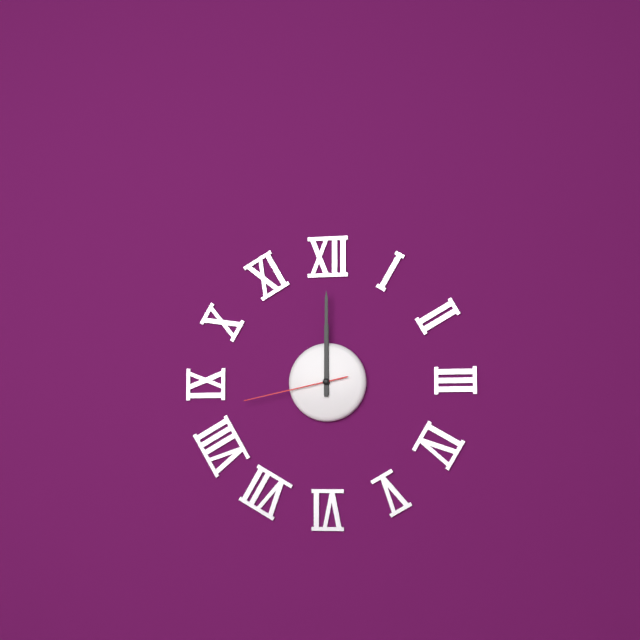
h=12 m=0 s=43
